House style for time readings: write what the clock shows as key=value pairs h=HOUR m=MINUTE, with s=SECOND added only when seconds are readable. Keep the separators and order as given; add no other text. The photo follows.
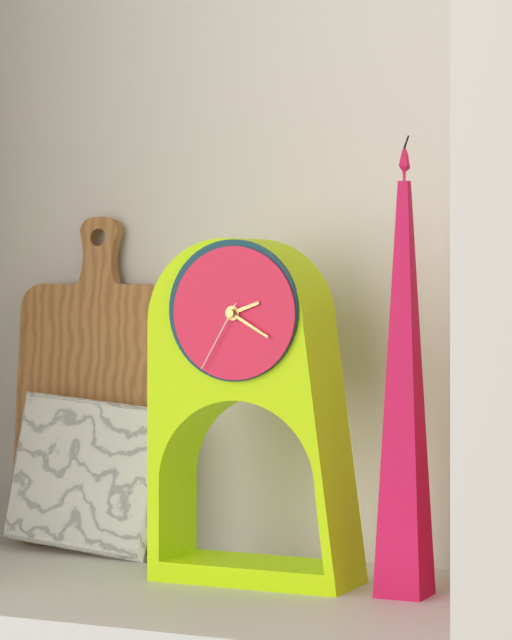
h=2 m=20 s=35
